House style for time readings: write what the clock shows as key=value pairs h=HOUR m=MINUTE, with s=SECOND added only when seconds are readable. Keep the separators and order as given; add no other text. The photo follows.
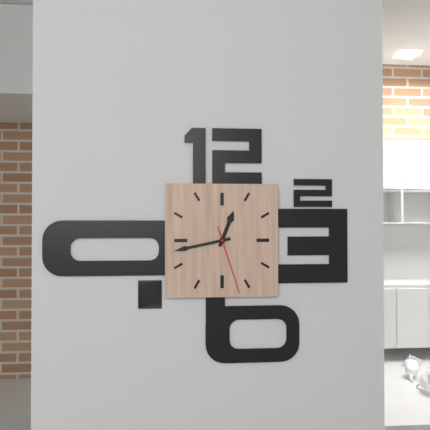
h=12 m=43 s=27
